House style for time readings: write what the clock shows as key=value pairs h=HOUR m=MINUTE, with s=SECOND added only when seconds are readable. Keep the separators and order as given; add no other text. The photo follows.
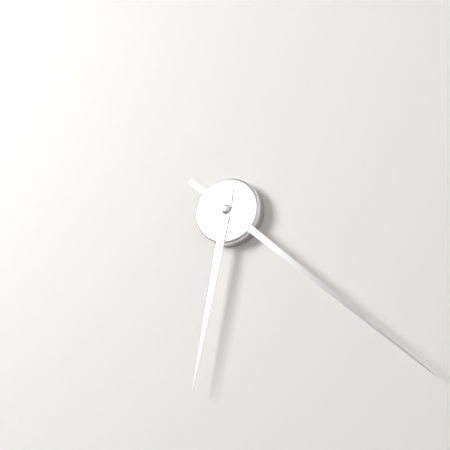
h=6 m=22
